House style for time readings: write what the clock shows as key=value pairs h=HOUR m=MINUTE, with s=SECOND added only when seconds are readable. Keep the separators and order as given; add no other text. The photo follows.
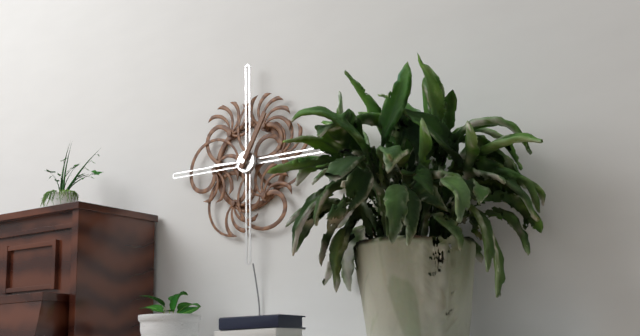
h=9 m=5
